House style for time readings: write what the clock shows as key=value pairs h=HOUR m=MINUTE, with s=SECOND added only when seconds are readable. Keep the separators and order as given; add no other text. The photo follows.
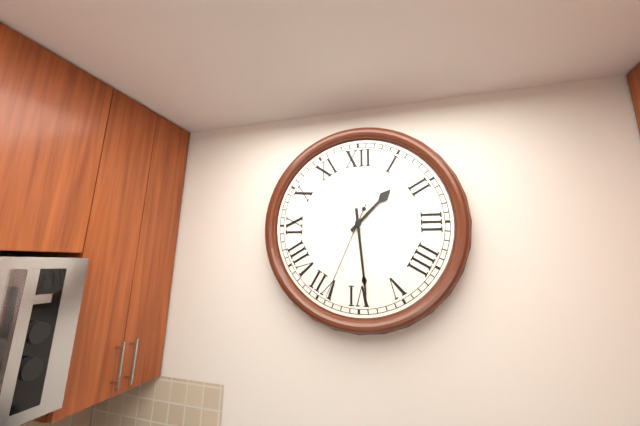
h=1 m=29 s=34
